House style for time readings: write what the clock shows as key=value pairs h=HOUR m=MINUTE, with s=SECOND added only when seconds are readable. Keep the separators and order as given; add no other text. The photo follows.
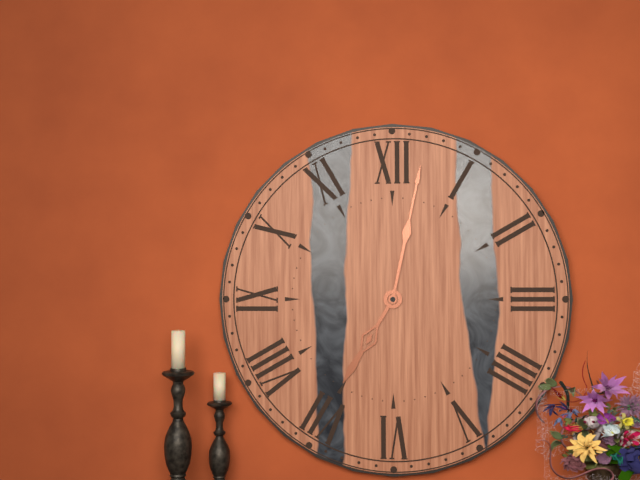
h=7 m=2
